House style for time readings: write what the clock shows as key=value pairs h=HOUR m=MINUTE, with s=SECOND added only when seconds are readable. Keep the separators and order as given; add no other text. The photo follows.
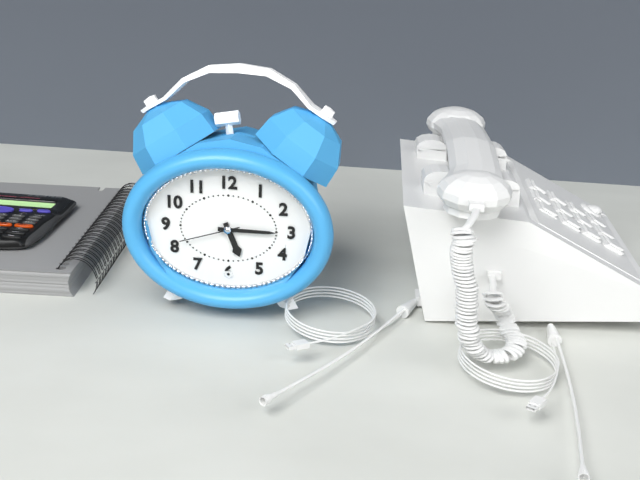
h=5 m=15 s=42
